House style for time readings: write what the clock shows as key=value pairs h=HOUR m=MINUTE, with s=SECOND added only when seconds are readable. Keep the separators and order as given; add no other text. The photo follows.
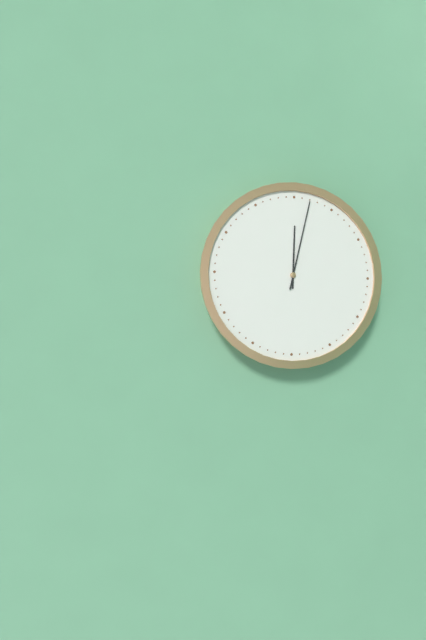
h=12 m=2
